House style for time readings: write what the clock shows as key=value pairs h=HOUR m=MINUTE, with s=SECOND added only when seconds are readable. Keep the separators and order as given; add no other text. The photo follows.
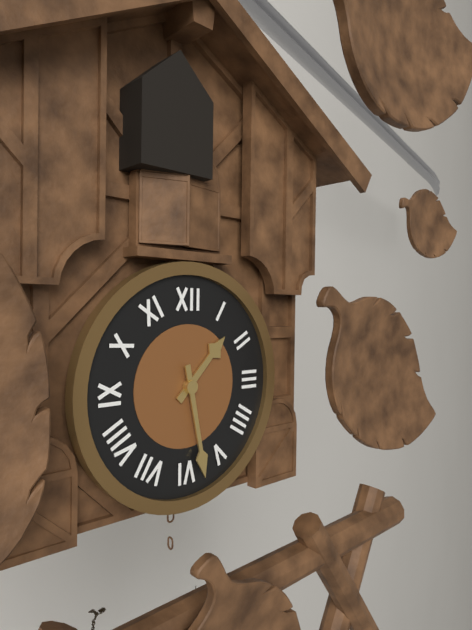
h=1 m=28
